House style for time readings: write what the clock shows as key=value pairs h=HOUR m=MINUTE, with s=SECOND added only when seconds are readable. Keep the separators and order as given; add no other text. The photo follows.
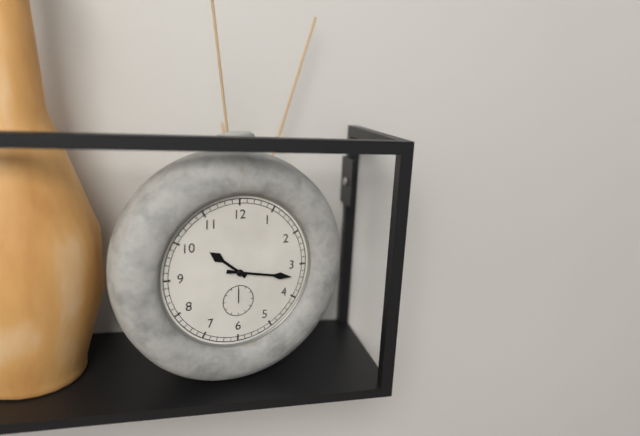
h=10 m=17
